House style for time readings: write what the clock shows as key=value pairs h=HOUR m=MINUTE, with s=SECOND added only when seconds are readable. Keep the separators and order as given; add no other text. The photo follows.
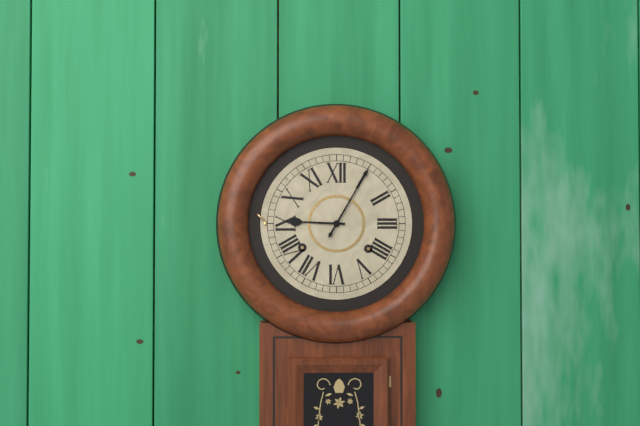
h=9 m=5
